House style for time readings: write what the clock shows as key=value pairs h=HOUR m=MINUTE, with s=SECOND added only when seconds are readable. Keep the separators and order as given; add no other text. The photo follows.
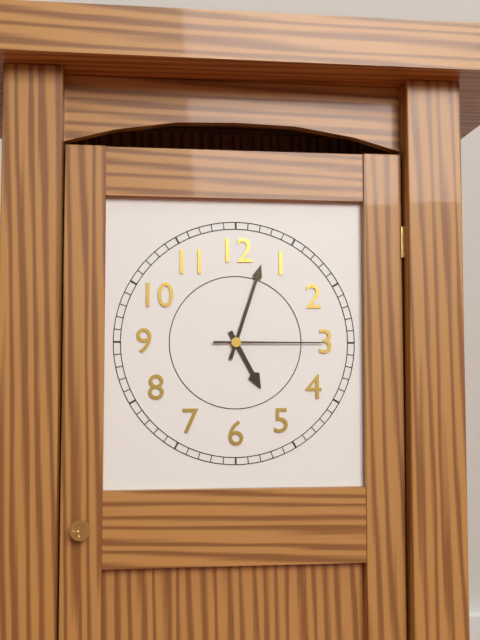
h=5 m=3 s=15
